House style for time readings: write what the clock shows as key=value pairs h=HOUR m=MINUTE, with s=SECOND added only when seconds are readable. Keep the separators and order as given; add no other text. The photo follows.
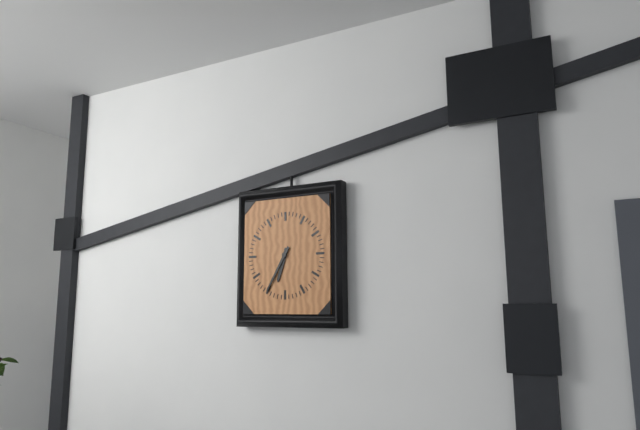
h=6 m=35
